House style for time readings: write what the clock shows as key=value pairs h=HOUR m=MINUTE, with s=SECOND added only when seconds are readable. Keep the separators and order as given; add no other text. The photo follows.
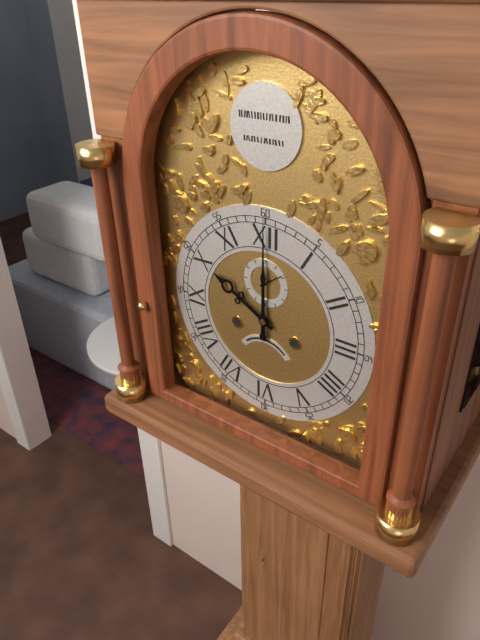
h=10 m=0
